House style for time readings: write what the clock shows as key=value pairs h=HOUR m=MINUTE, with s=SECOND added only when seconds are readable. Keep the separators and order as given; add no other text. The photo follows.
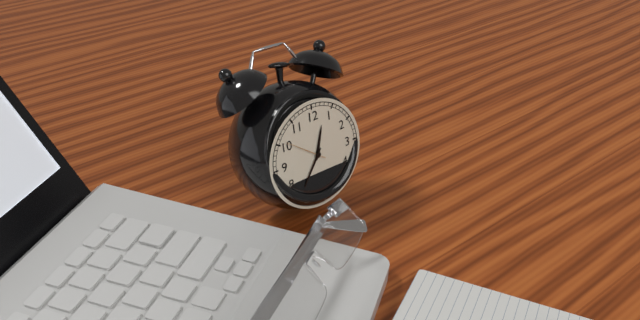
h=12 m=36
